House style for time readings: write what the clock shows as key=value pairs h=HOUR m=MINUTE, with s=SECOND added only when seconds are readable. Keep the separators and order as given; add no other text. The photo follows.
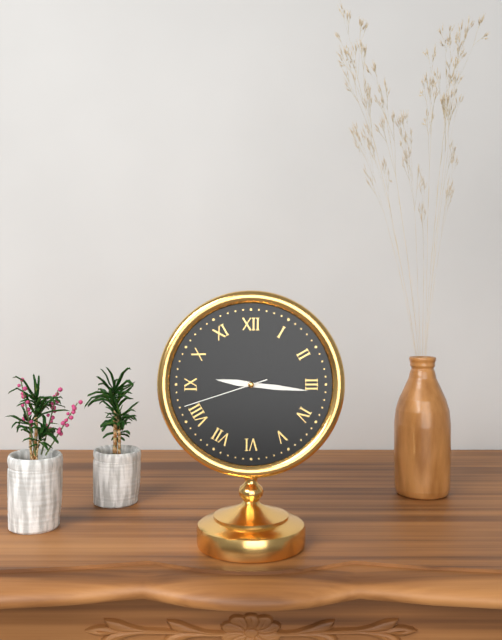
h=9 m=16 s=42
